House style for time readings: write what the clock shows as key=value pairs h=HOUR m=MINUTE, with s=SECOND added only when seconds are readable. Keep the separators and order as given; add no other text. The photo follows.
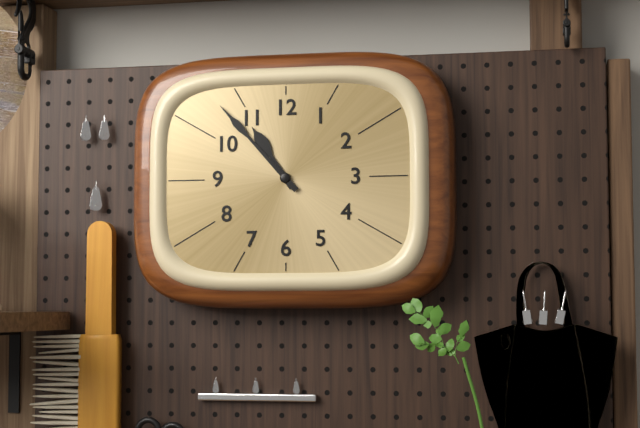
h=10 m=53
